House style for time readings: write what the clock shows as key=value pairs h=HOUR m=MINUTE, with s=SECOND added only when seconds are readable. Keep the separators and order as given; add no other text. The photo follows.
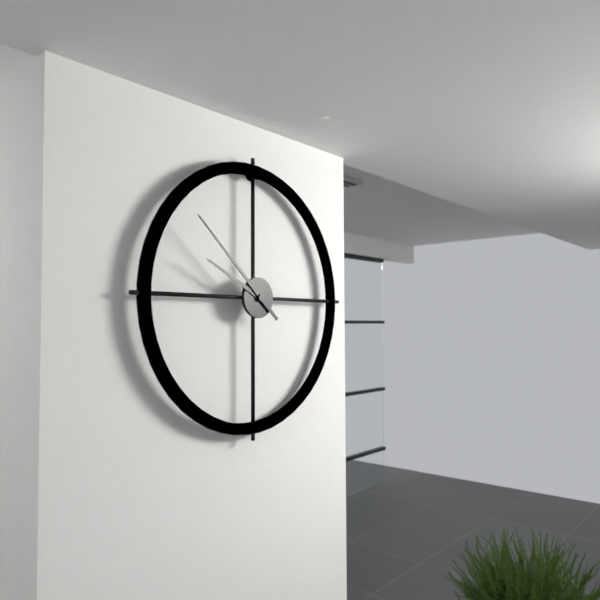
h=9 m=52
